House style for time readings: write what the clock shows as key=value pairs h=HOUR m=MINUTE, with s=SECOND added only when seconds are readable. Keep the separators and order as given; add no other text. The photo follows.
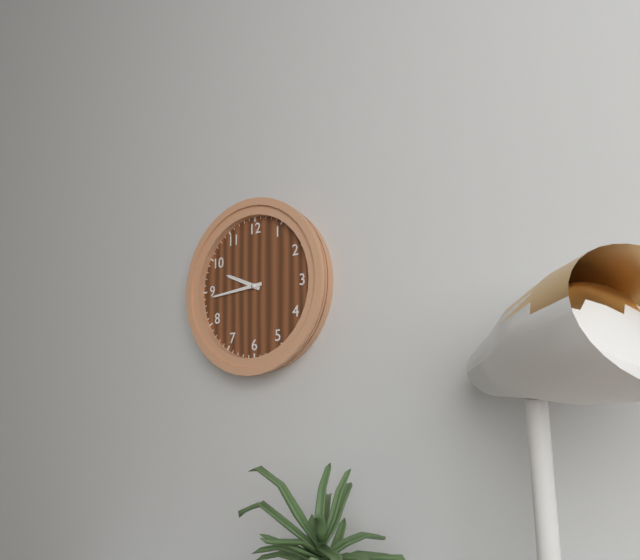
h=9 m=44
